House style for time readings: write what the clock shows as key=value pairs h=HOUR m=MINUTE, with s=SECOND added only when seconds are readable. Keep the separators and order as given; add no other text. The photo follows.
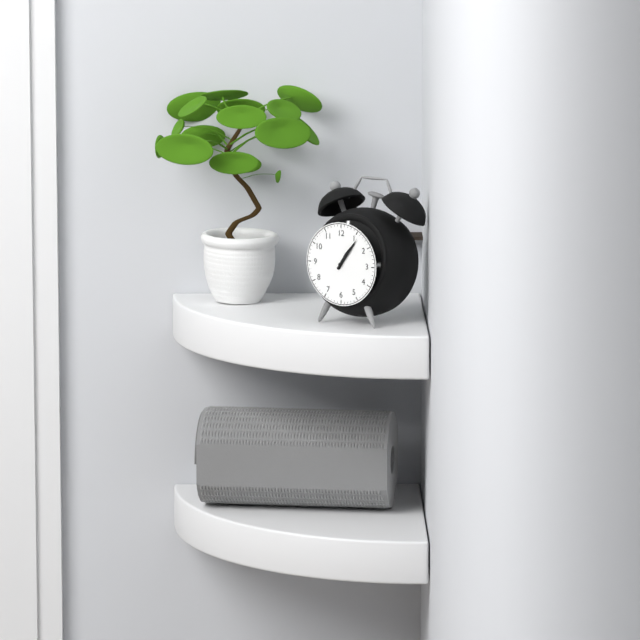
h=1 m=6
